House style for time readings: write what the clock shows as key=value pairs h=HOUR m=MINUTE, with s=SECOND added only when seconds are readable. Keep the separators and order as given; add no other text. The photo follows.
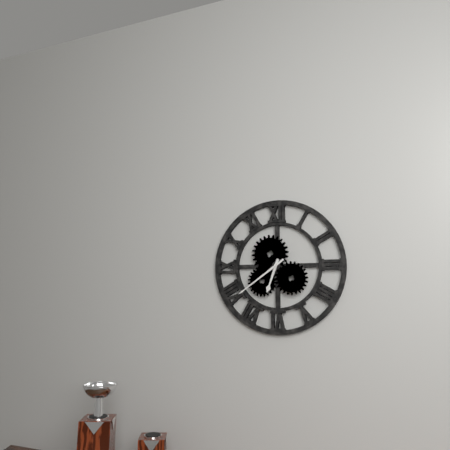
h=6 m=39
